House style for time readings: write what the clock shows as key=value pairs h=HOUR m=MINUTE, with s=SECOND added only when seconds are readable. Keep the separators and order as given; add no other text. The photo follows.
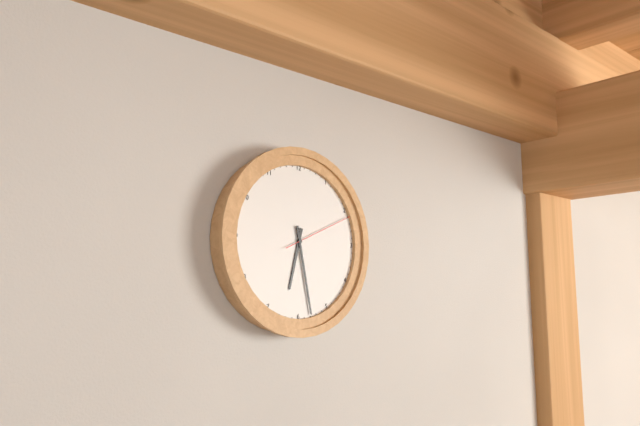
h=6 m=28 s=11
